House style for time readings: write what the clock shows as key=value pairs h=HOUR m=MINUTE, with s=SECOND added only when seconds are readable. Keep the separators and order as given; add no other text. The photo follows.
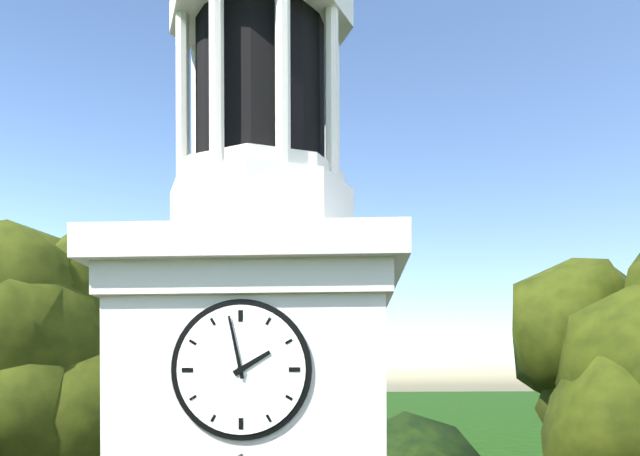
h=1 m=58
